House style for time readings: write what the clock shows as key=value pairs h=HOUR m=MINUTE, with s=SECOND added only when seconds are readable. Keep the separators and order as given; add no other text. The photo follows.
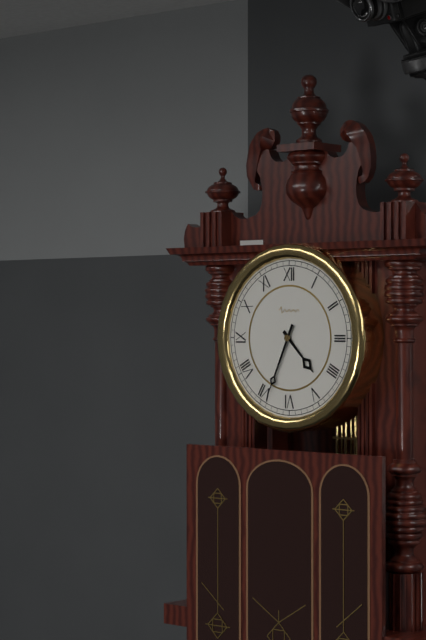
h=4 m=34
